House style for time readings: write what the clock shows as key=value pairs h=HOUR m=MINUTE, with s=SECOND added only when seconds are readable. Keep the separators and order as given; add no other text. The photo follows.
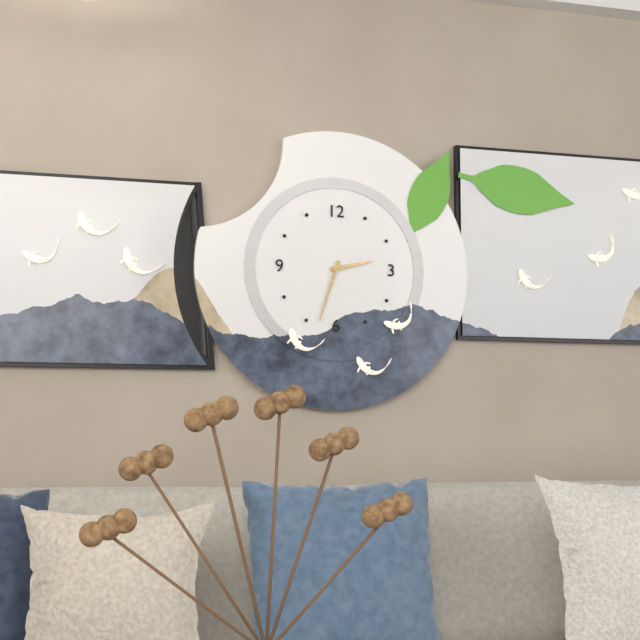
h=2 m=33
